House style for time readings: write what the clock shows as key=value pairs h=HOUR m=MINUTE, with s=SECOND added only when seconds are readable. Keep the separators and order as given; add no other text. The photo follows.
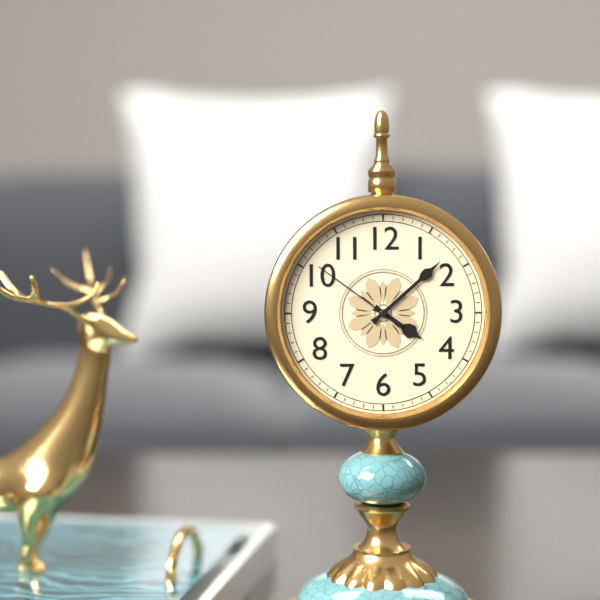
h=4 m=8 s=51
